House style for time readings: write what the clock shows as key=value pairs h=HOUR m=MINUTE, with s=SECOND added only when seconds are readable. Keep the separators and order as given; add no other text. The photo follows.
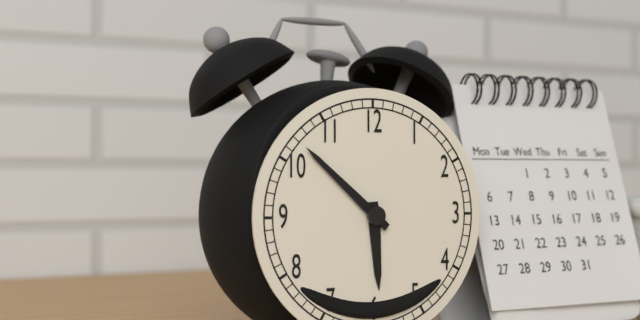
h=5 m=52
